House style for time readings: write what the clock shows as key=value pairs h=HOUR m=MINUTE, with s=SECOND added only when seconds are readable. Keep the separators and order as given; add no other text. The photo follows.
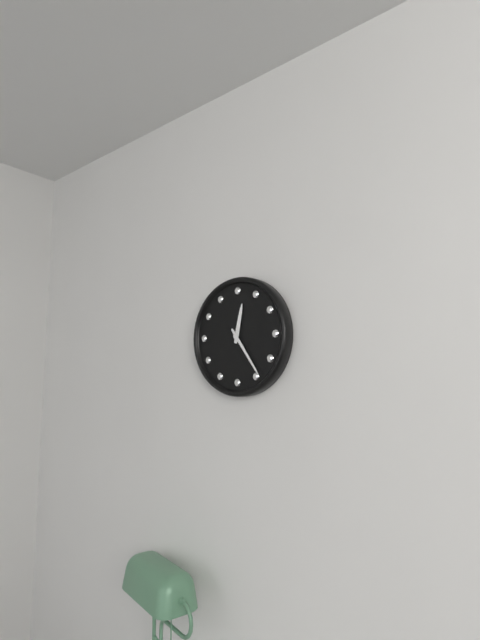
h=12 m=24
